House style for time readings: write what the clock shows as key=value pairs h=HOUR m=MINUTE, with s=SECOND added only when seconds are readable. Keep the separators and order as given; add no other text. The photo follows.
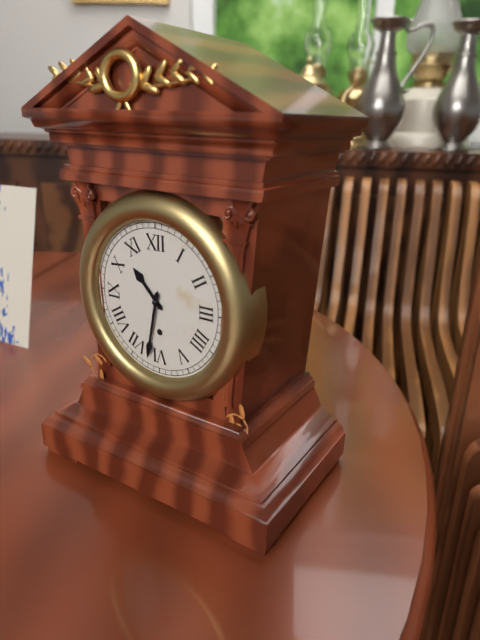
h=10 m=32
